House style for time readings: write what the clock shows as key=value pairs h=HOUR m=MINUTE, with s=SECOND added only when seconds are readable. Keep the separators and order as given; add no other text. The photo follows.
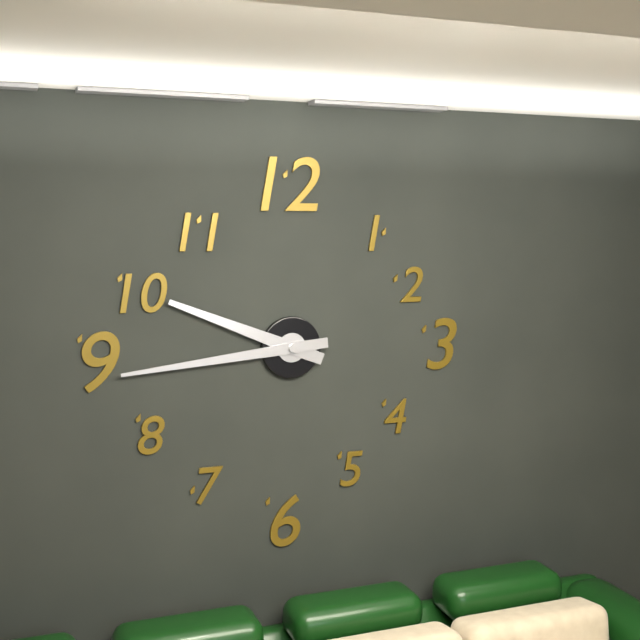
h=9 m=44
